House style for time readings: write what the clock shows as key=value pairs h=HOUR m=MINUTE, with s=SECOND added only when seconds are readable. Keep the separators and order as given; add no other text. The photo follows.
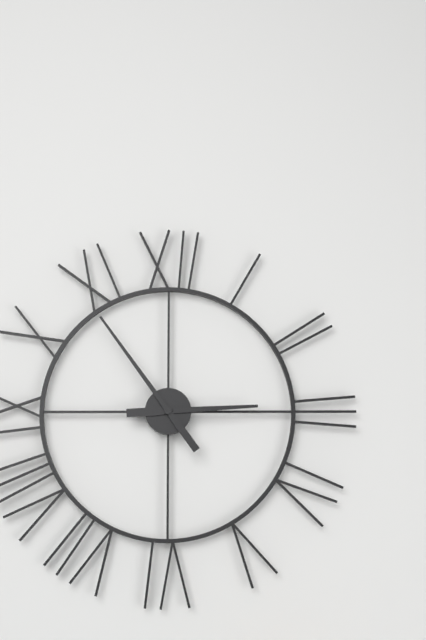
h=2 m=54
